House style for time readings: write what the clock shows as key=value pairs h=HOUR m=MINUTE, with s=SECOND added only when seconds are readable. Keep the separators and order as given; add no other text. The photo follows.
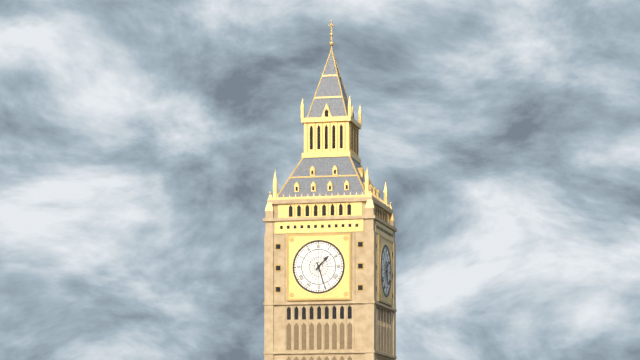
h=1 m=27
